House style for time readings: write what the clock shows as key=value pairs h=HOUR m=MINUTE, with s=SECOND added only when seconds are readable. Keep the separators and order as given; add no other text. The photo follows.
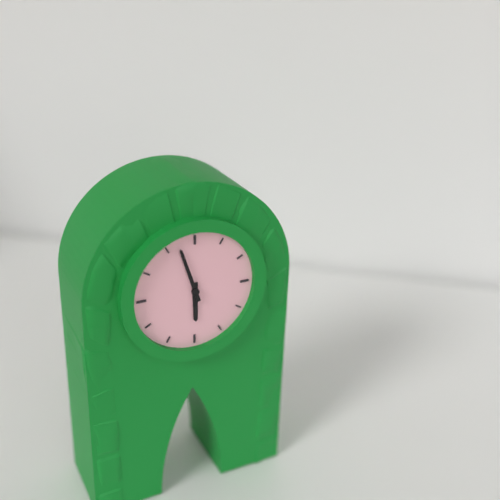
h=5 m=57
